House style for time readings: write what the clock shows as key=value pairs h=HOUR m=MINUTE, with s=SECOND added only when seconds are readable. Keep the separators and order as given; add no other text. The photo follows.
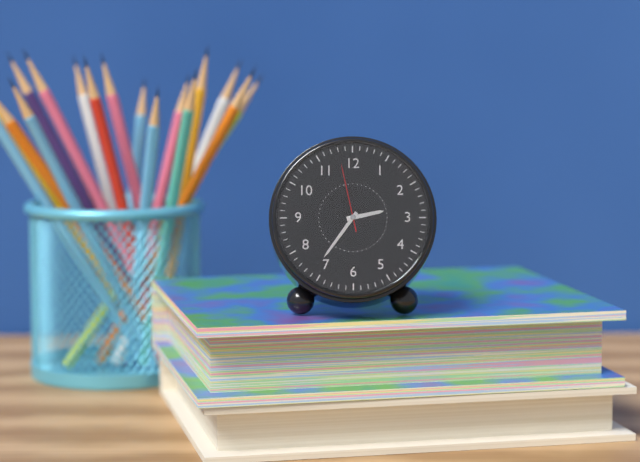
h=2 m=36 s=58
